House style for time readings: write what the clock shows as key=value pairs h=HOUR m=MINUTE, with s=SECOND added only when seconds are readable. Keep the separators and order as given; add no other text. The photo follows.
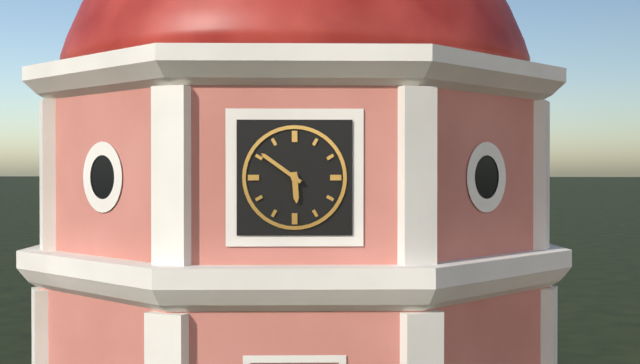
h=5 m=51
